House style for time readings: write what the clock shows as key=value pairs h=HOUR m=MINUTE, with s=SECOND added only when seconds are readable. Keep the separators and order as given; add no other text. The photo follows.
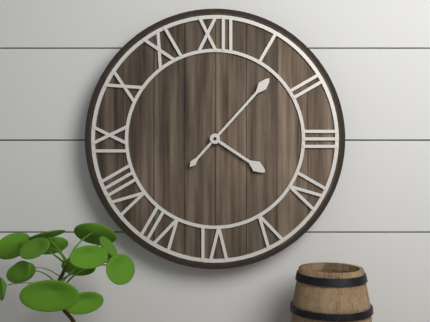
h=4 m=7
